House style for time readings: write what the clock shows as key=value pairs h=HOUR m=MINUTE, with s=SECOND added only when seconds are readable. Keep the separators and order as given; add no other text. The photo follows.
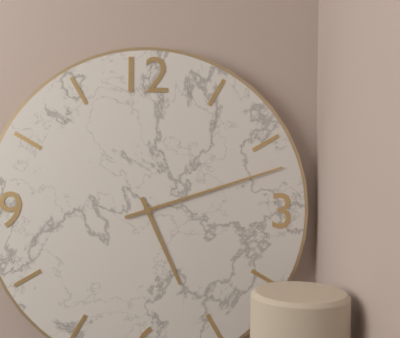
h=5 m=12
